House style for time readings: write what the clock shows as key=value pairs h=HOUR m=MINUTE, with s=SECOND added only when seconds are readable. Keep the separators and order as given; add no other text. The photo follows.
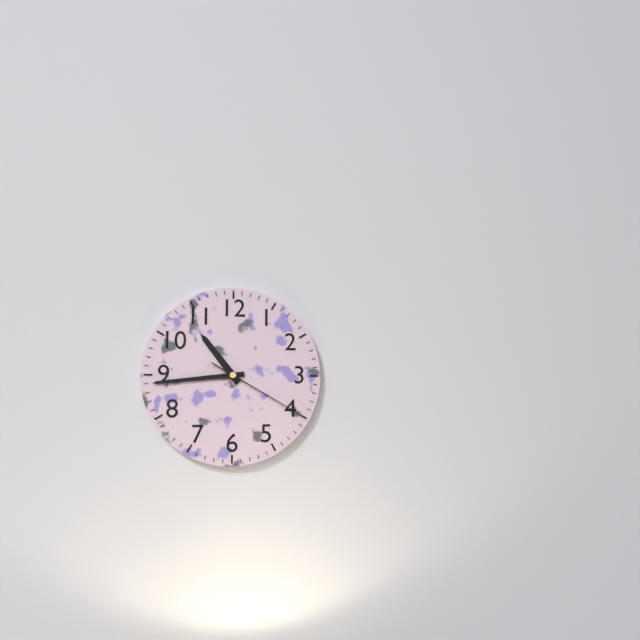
h=10 m=44 s=20
